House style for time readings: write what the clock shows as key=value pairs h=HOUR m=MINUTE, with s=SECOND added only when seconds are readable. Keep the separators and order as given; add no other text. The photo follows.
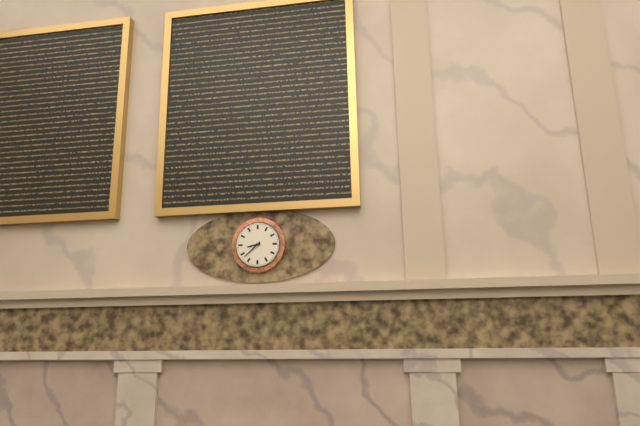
h=8 m=38
